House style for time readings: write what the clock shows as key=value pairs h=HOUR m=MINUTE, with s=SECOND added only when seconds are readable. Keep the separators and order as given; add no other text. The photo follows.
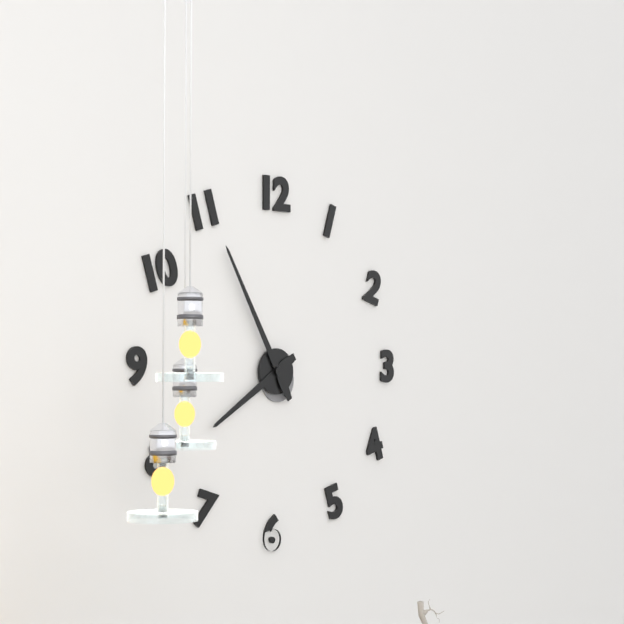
h=7 m=55
